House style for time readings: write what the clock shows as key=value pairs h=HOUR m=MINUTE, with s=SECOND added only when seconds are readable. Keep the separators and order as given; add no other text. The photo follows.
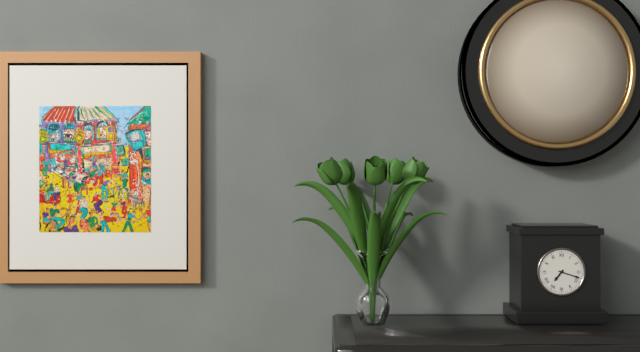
h=7 m=18
